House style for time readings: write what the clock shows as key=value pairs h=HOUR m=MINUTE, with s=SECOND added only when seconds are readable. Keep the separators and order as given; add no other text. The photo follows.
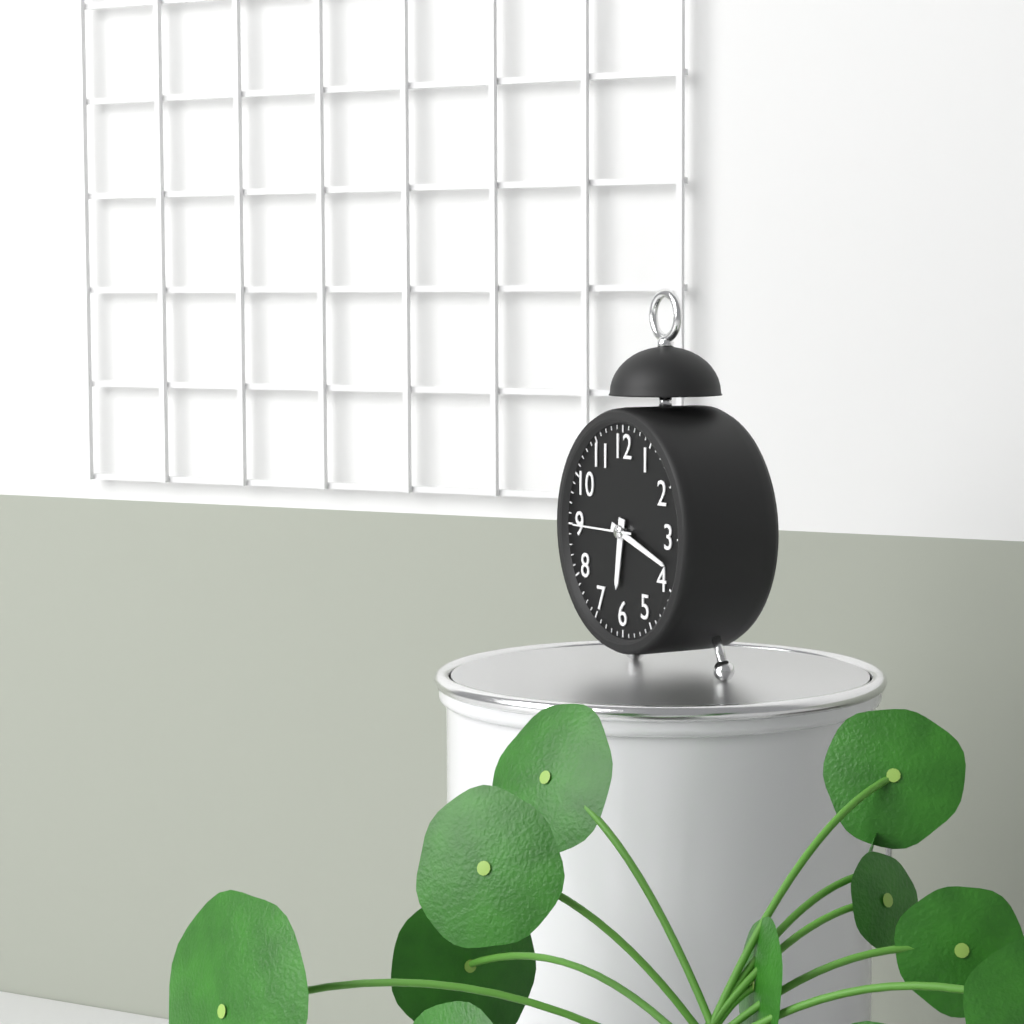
h=6 m=18 s=45
